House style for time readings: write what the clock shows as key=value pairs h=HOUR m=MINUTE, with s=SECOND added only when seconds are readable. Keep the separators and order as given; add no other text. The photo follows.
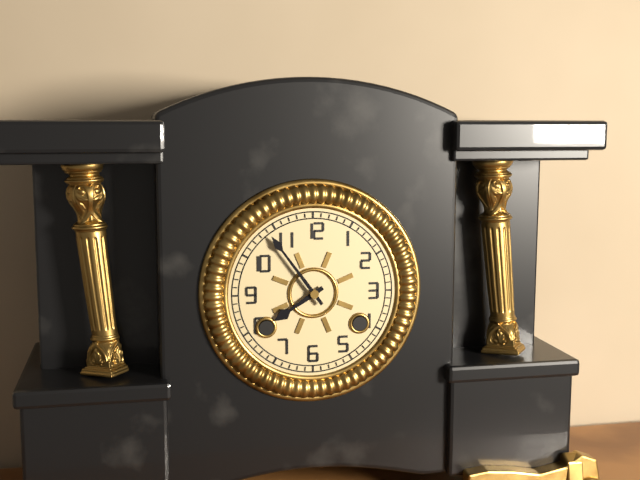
h=7 m=54
